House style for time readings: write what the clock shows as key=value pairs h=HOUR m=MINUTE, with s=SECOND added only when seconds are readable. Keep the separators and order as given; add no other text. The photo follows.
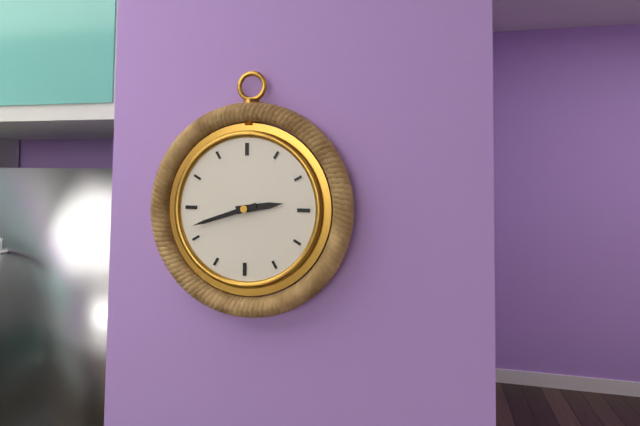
h=2 m=42
